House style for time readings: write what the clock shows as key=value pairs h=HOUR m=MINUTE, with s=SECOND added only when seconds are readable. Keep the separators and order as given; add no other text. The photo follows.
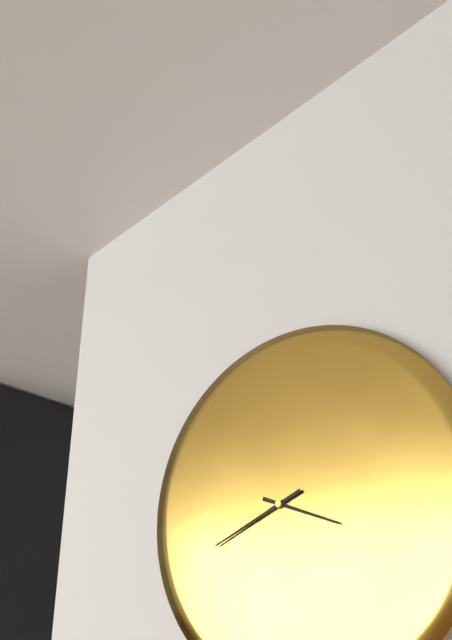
h=3 m=41
